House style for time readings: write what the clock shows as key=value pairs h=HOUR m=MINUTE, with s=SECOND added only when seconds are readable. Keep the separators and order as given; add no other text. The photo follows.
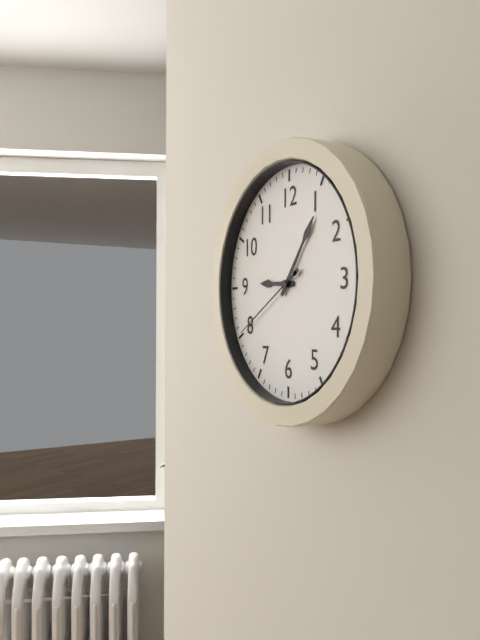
h=9 m=6 s=40
